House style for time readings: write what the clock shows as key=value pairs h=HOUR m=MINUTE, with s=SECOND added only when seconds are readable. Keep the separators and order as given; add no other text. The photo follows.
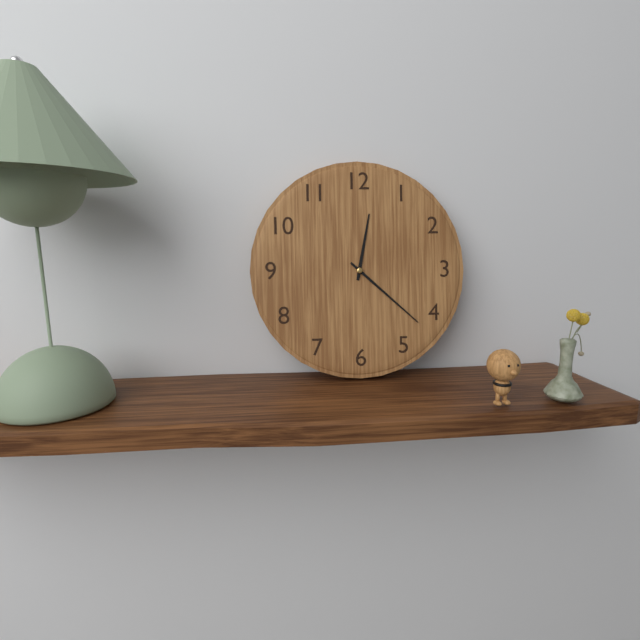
h=12 m=22
